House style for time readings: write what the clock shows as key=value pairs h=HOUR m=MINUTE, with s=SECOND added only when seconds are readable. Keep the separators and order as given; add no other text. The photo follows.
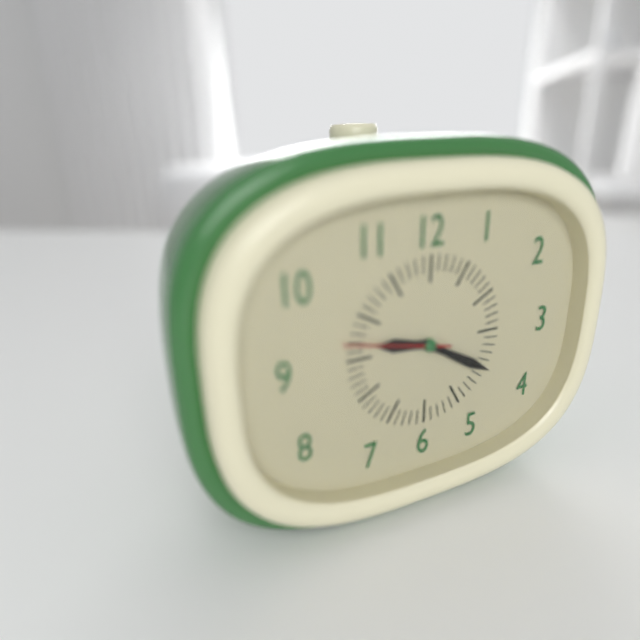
h=9 m=20 s=47
